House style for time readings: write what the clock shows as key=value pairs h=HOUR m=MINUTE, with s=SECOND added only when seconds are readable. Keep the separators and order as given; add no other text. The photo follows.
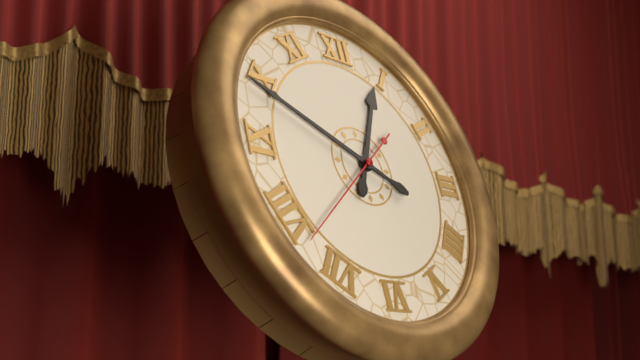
h=12 m=49 s=38
